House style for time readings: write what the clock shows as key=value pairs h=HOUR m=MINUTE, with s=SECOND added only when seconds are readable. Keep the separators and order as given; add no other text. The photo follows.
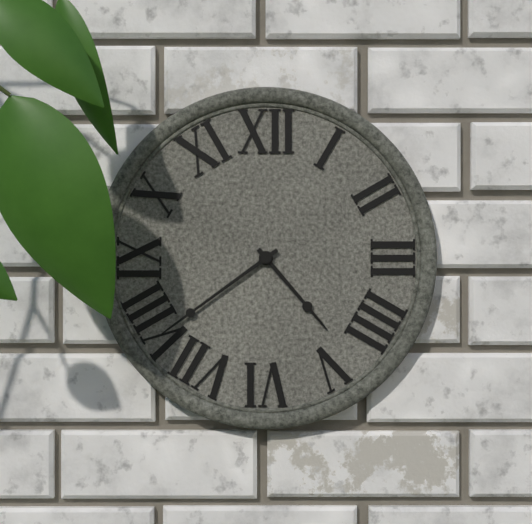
h=4 m=39
